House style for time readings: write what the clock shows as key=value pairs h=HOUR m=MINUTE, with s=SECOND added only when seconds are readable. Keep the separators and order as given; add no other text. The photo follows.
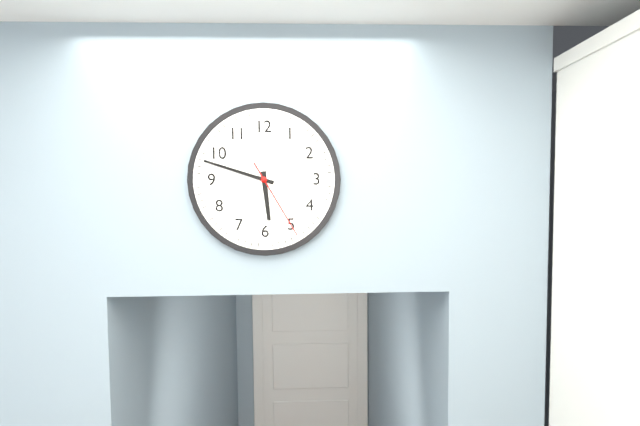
h=5 m=48 s=25
